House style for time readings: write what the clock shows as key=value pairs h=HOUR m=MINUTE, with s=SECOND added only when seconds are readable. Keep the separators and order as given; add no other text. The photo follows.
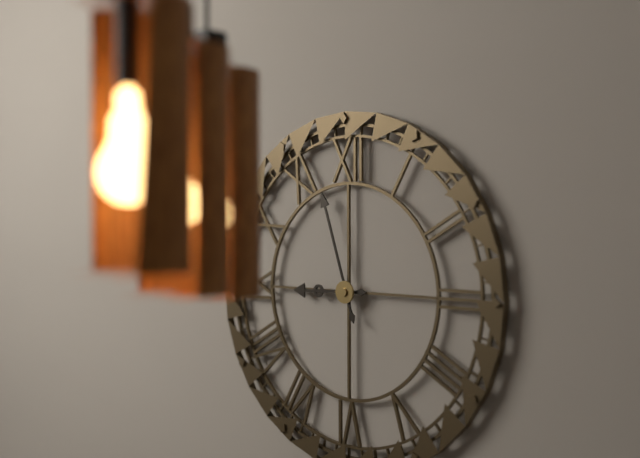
h=8 m=57
